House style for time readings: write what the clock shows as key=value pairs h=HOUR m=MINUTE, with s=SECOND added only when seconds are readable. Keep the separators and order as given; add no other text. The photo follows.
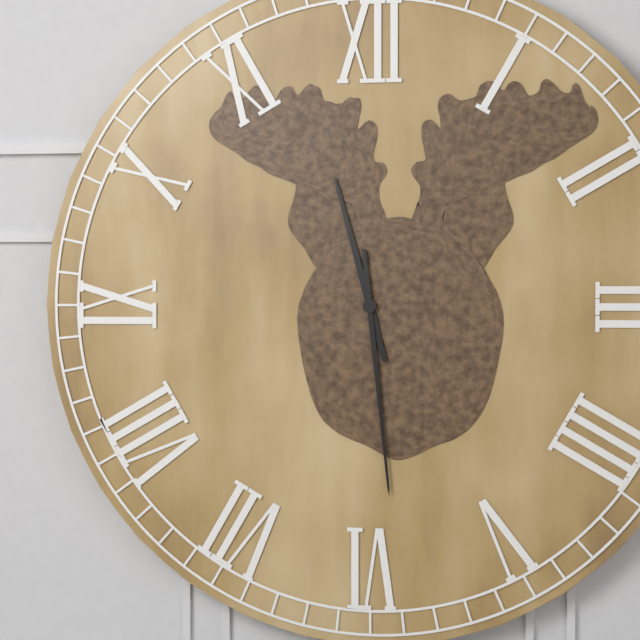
h=11 m=29
